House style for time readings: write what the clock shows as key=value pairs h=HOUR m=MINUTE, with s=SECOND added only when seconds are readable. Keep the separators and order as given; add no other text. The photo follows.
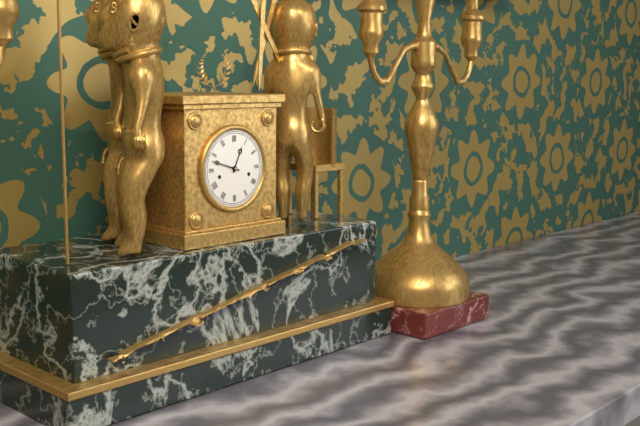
h=12 m=48
